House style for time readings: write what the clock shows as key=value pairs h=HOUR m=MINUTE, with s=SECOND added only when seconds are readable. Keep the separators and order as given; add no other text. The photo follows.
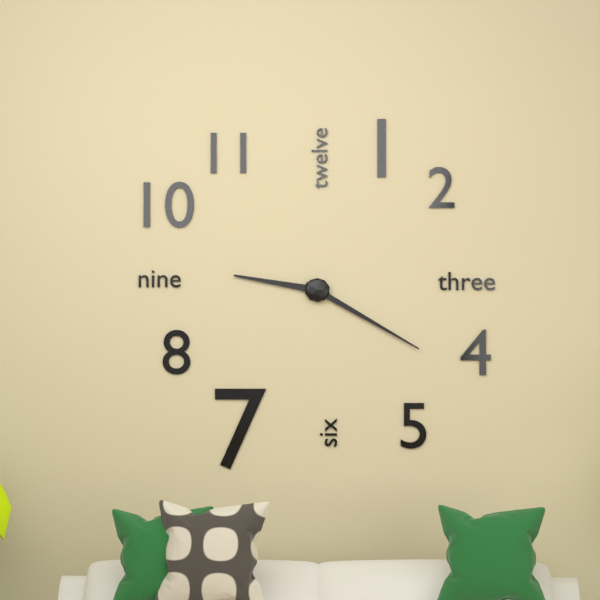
h=9 m=20
